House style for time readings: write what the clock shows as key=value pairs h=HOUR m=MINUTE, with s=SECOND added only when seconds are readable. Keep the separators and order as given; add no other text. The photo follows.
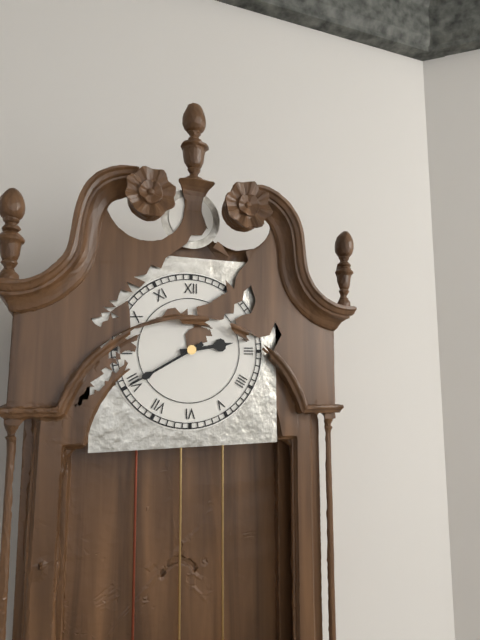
h=2 m=40
